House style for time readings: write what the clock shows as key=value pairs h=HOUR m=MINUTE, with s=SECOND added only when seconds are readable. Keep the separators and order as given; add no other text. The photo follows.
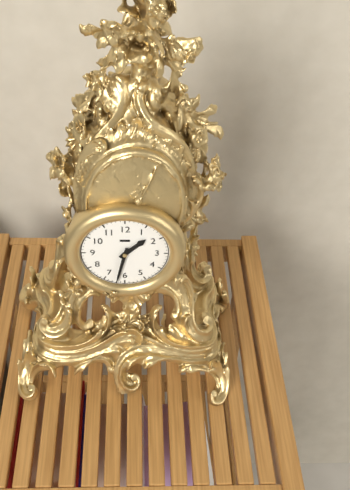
h=1 m=32
